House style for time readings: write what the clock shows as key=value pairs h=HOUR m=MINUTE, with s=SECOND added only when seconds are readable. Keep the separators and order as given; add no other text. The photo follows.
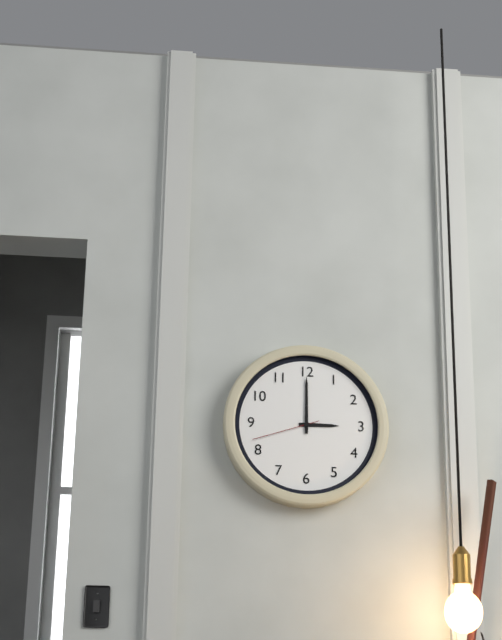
h=3 m=0 s=42
